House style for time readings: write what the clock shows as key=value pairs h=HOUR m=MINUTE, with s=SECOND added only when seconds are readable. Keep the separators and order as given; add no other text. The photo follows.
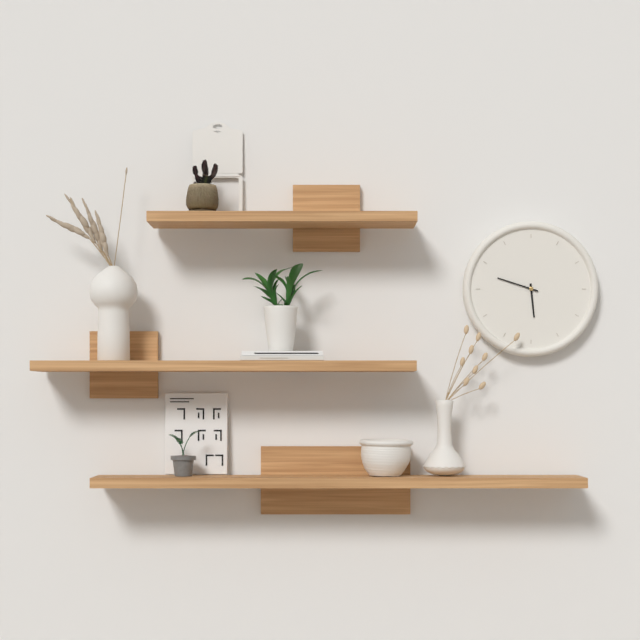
h=5 m=48
